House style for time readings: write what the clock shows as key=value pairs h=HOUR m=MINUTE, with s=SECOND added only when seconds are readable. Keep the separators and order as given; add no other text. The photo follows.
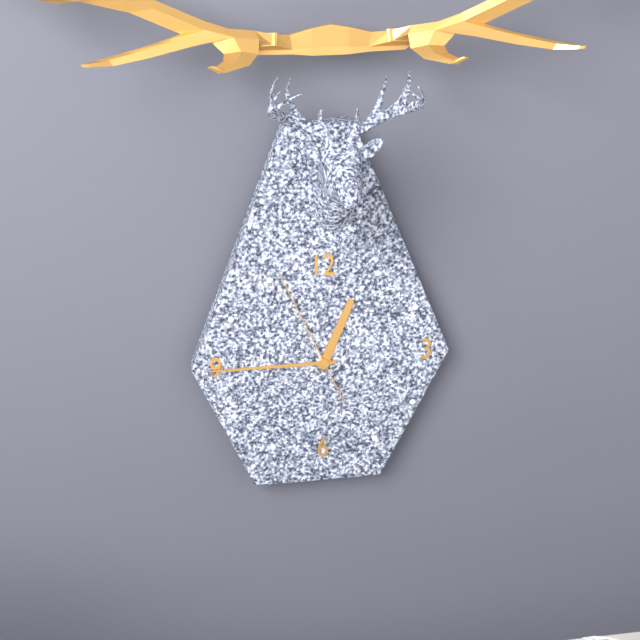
h=12 m=45 s=56
